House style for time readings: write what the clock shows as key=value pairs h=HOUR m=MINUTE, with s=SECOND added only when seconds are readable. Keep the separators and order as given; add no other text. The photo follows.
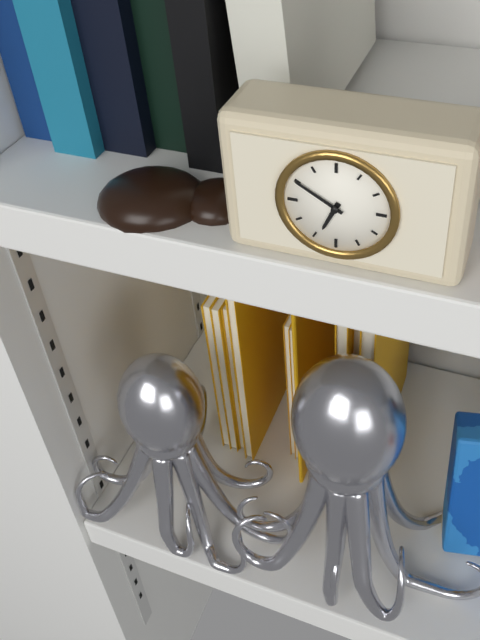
h=6 m=50
